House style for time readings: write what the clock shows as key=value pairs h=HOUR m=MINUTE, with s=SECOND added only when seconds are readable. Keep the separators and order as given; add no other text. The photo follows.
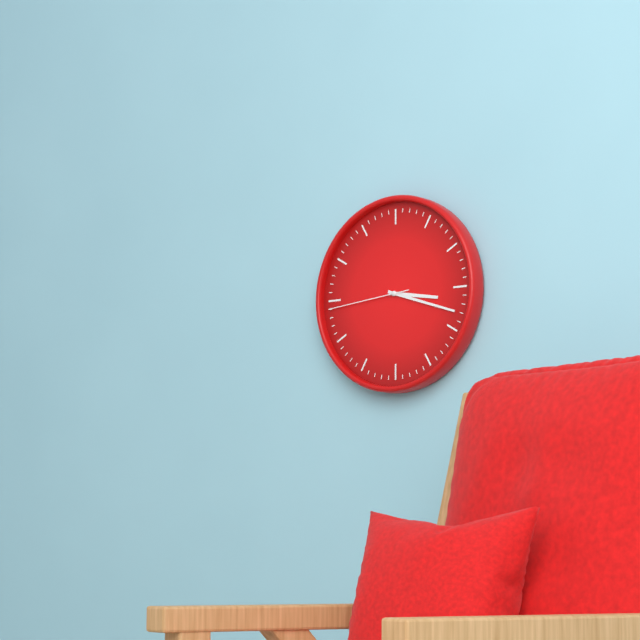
h=3 m=18 s=44
